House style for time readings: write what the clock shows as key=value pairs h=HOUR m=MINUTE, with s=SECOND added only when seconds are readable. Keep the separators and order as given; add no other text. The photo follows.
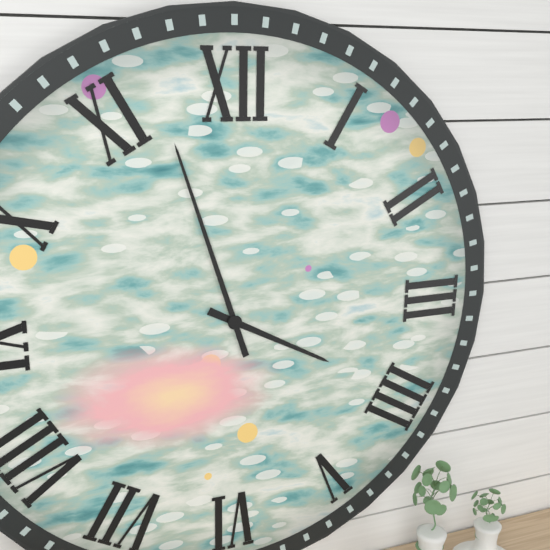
h=3 m=57
